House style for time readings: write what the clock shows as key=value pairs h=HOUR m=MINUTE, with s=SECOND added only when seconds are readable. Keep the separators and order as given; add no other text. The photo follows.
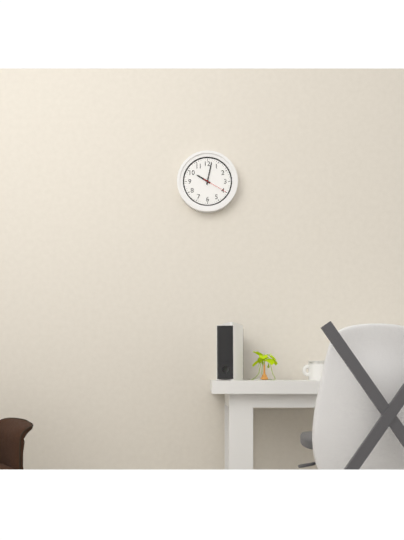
h=10 m=2
